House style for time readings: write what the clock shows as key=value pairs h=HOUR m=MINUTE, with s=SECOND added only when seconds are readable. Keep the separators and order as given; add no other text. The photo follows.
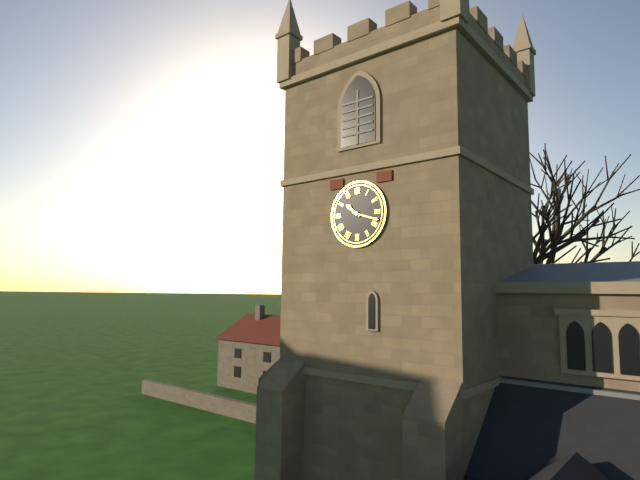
h=10 m=18
